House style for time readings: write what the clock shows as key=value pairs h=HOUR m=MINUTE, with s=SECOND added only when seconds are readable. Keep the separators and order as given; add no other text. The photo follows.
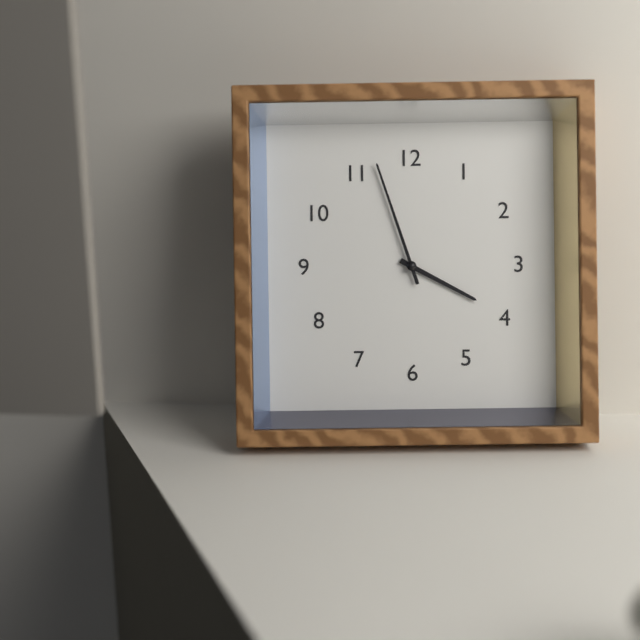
h=3 m=57
